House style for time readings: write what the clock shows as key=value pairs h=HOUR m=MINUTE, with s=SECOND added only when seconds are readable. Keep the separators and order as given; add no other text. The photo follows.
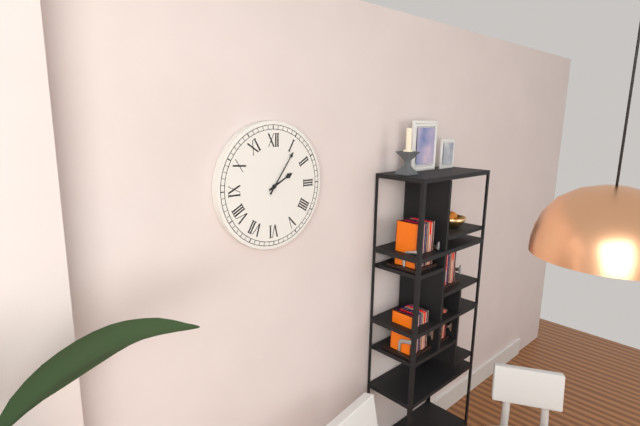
h=2 m=6
